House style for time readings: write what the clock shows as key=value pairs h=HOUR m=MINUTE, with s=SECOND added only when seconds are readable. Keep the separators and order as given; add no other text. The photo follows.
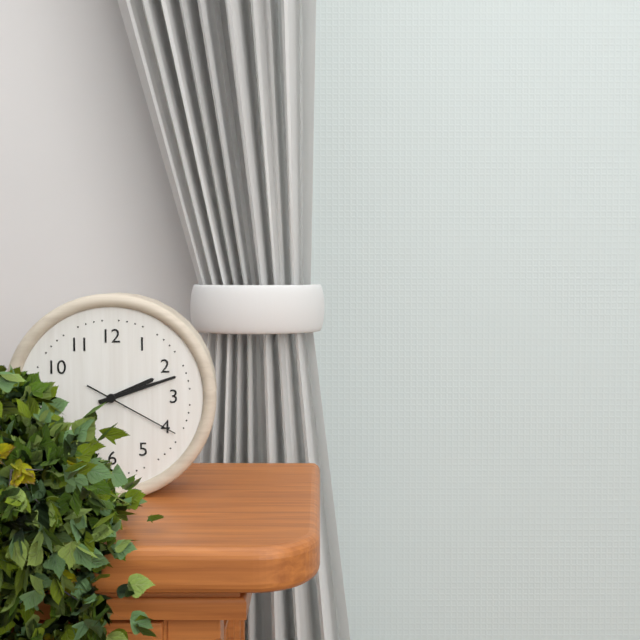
h=2 m=12 s=20
